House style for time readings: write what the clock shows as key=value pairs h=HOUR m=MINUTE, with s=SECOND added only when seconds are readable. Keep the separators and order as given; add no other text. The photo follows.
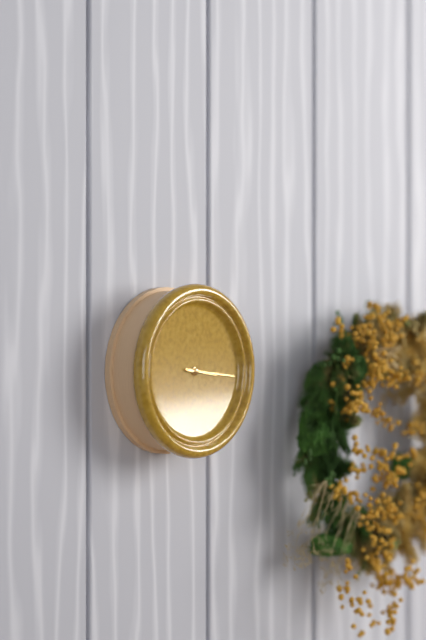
h=3 m=16
